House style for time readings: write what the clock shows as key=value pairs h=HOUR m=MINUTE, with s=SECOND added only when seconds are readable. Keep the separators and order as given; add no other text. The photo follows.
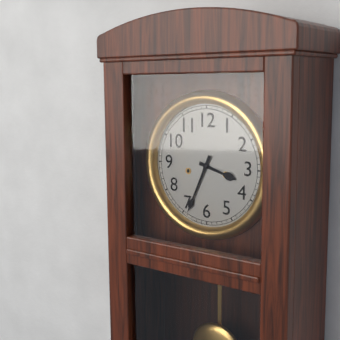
h=3 m=34
